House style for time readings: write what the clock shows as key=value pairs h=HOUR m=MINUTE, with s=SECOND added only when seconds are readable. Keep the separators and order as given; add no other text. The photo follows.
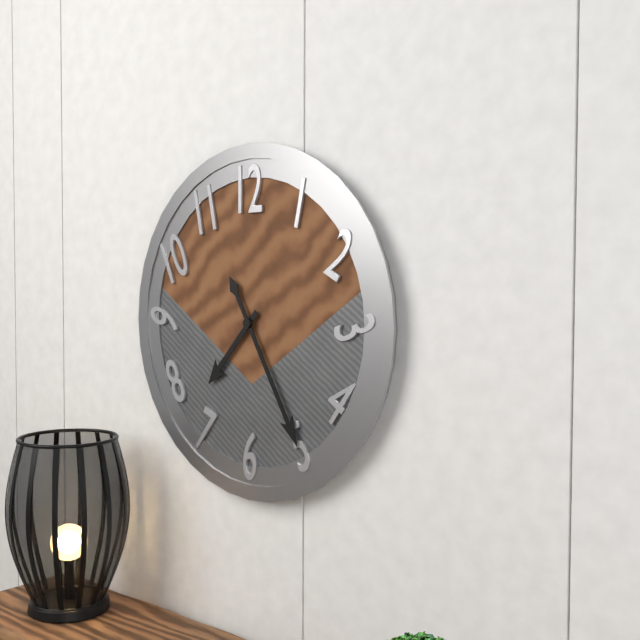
h=7 m=25
